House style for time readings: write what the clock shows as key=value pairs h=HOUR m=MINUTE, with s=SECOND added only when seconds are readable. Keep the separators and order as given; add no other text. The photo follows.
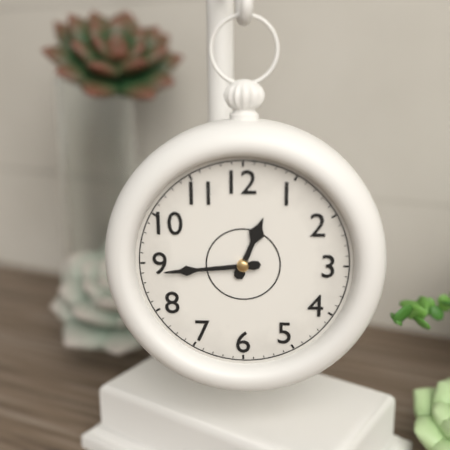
h=12 m=44
